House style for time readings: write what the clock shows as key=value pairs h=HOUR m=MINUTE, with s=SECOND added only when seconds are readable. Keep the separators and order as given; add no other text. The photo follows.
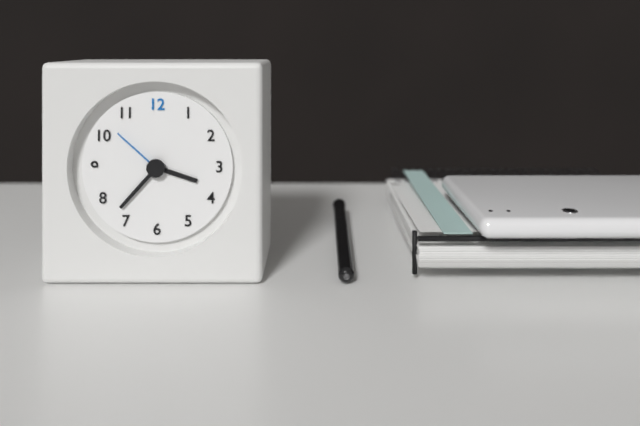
h=3 m=37 s=52
